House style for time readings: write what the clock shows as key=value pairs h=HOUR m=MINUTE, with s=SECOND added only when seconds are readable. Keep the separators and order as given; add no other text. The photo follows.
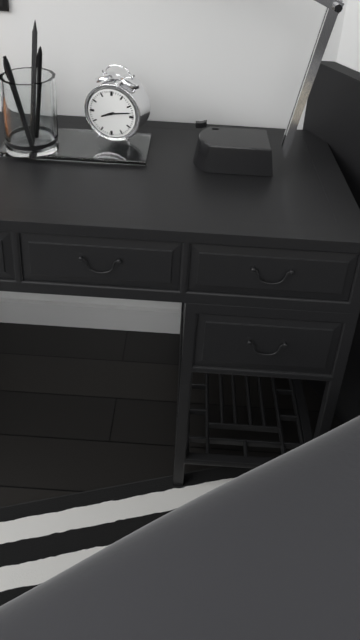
h=8 m=13
